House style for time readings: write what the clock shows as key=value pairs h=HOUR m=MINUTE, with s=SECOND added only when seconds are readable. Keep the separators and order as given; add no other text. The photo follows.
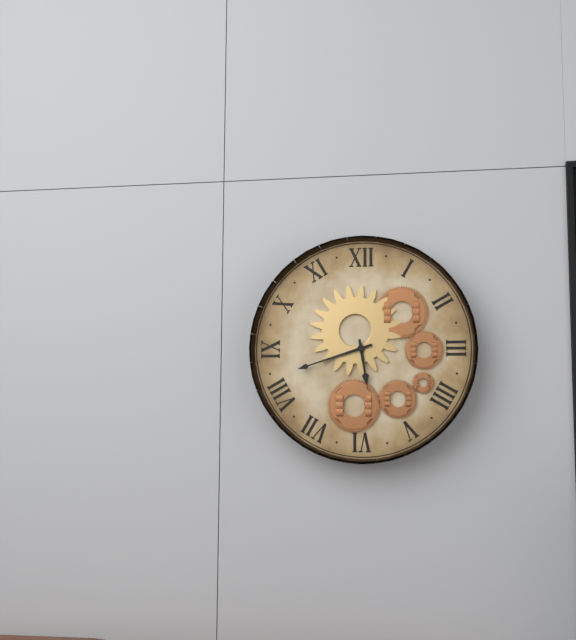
h=5 m=42
